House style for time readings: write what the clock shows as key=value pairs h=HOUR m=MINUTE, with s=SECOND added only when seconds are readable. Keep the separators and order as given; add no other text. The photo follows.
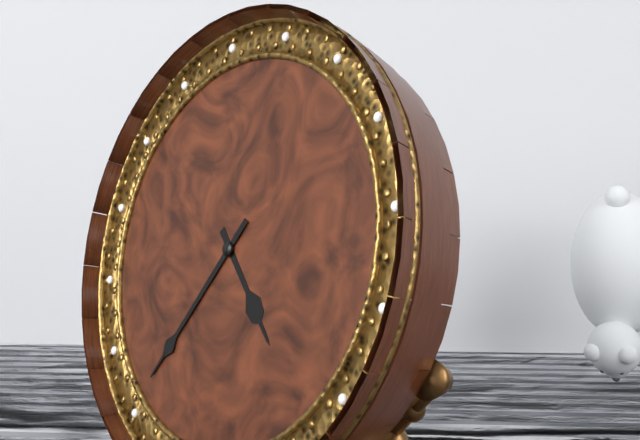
h=4 m=36
